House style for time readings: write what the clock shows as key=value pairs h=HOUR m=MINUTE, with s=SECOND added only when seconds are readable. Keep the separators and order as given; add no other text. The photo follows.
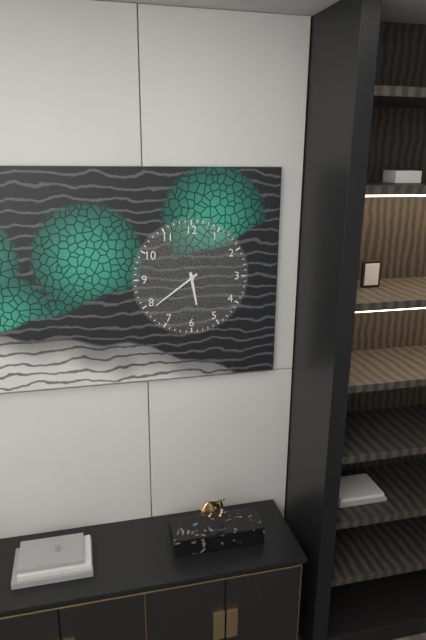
h=5 m=39
